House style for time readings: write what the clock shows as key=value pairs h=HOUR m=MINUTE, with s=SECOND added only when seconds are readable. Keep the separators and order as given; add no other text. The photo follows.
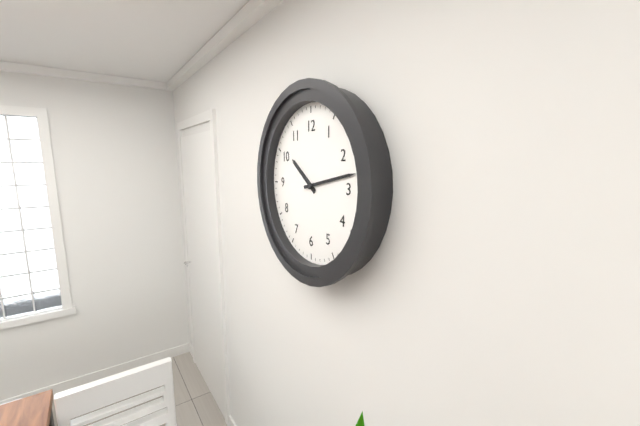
h=10 m=13
